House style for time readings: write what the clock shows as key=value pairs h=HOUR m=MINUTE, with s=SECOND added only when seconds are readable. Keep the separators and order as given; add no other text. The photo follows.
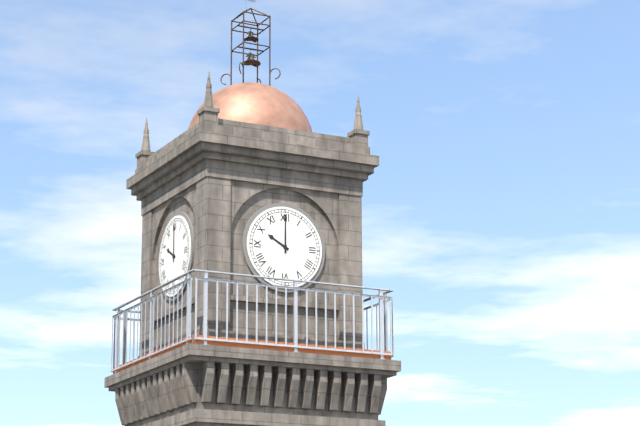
h=10 m=0
